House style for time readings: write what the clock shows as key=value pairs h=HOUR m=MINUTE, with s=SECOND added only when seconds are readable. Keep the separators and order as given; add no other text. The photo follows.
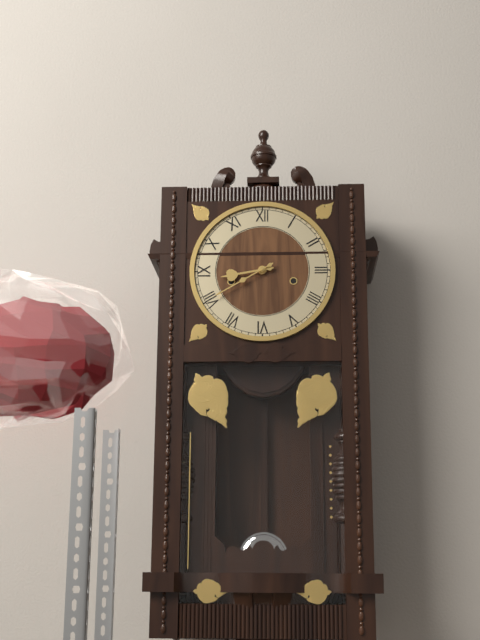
h=8 m=40
